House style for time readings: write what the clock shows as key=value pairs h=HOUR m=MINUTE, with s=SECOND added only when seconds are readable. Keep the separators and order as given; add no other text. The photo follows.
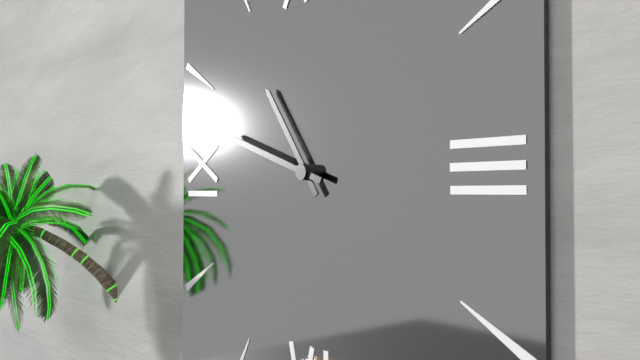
h=10 m=48
